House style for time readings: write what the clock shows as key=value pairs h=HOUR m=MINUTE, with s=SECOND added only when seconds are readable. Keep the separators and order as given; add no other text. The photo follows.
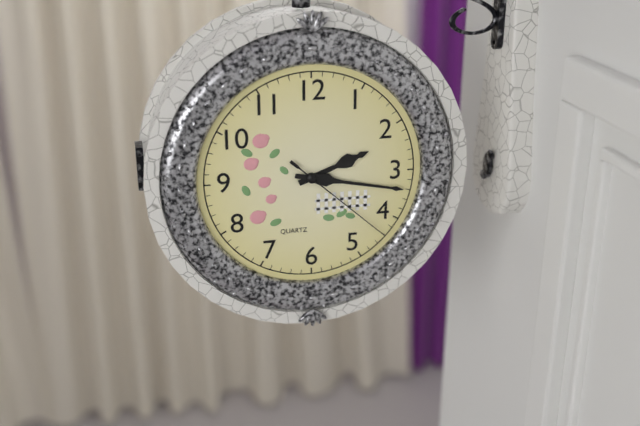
h=2 m=17 s=22
